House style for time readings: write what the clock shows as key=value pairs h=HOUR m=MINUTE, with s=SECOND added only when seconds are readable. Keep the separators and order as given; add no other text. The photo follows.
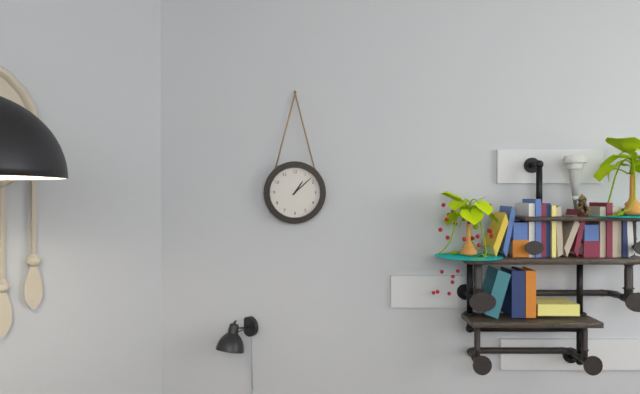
h=1 m=8
